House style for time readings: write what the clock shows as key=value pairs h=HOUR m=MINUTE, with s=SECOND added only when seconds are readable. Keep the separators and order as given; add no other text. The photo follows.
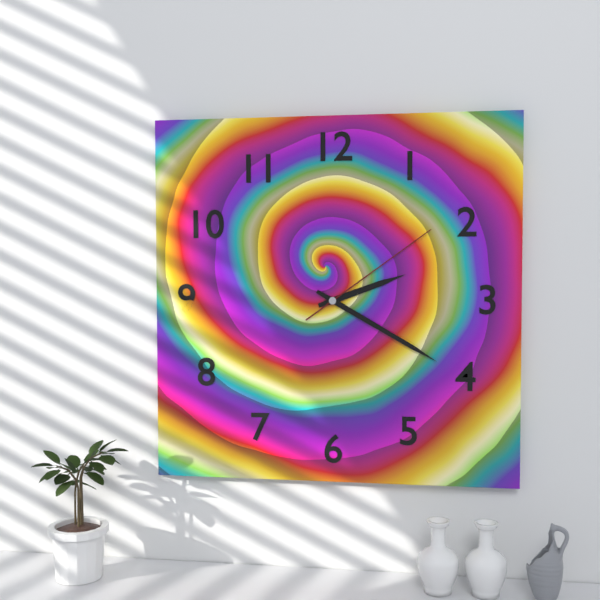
h=2 m=20 s=9
